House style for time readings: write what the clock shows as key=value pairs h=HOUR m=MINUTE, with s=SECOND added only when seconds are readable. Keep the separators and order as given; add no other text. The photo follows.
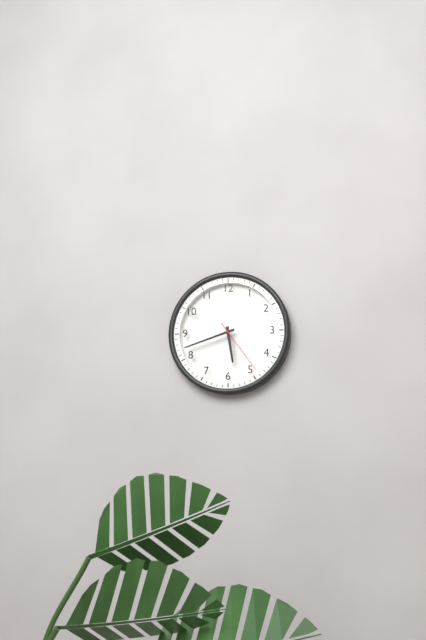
h=5 m=42 s=24
